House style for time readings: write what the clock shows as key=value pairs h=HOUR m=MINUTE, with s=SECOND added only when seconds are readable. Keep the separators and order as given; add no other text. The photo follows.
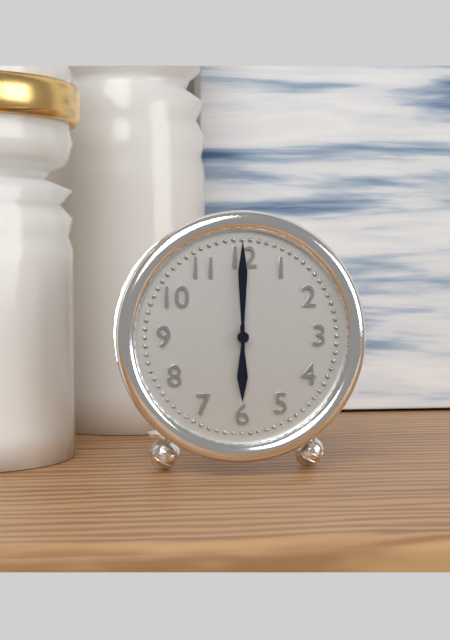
h=6 m=0
